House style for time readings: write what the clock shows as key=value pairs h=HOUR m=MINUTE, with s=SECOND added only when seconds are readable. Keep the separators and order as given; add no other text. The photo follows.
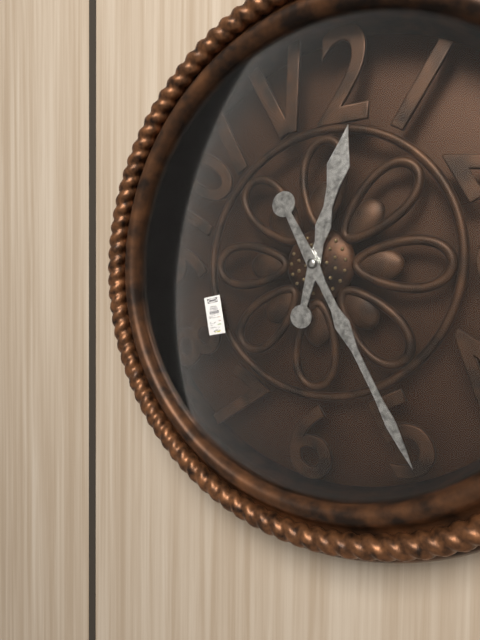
h=12 m=25
